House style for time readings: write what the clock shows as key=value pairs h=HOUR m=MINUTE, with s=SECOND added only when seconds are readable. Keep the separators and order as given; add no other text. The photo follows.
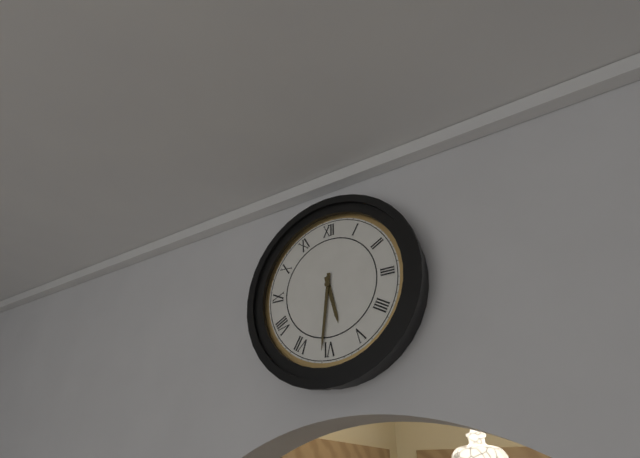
h=5 m=31
